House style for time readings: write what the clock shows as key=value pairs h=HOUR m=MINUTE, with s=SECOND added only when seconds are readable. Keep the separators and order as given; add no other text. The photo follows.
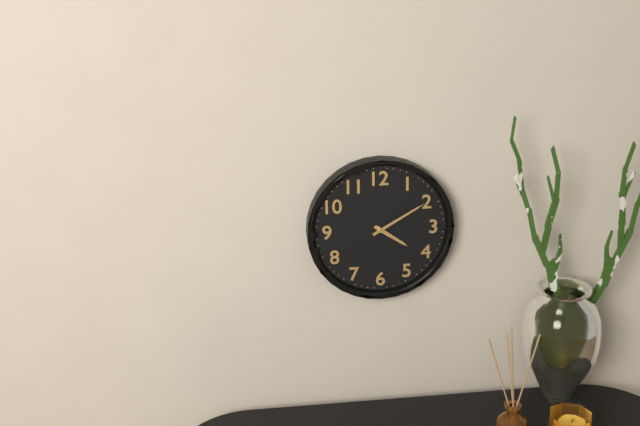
h=4 m=10
